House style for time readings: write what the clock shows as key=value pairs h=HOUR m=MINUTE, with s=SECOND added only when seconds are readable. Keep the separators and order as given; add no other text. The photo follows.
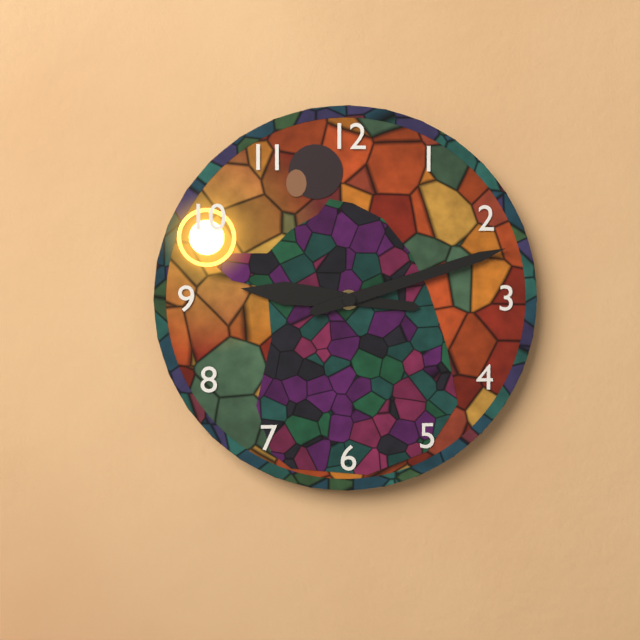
h=9 m=12
